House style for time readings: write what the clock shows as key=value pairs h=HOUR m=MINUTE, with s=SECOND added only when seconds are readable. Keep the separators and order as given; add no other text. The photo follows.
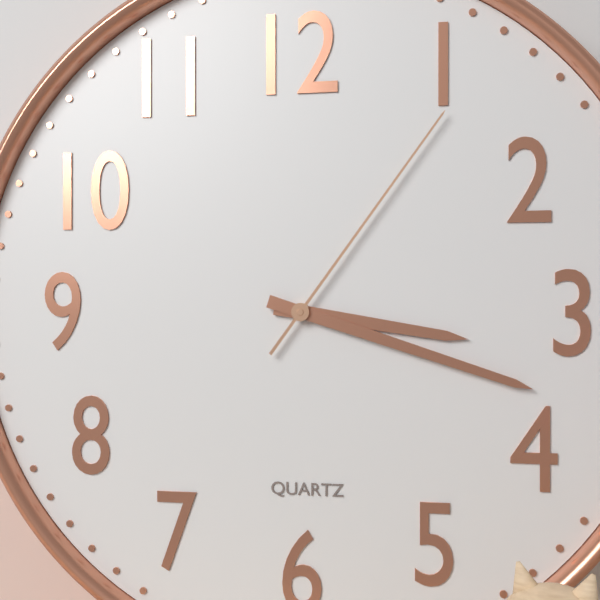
h=3 m=18 s=6
